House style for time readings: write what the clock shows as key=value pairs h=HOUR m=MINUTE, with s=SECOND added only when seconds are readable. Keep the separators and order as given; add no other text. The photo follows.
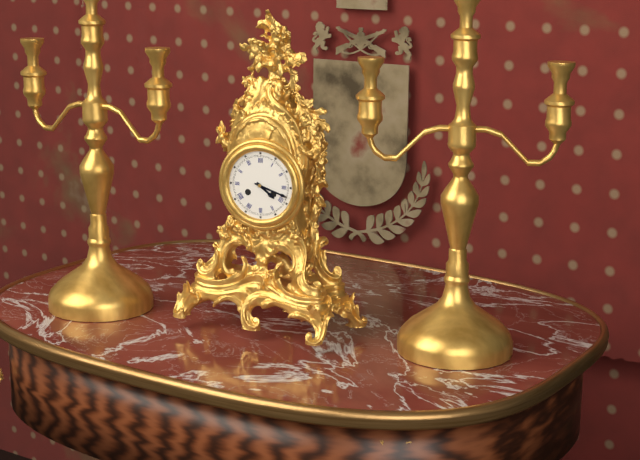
h=4 m=18
